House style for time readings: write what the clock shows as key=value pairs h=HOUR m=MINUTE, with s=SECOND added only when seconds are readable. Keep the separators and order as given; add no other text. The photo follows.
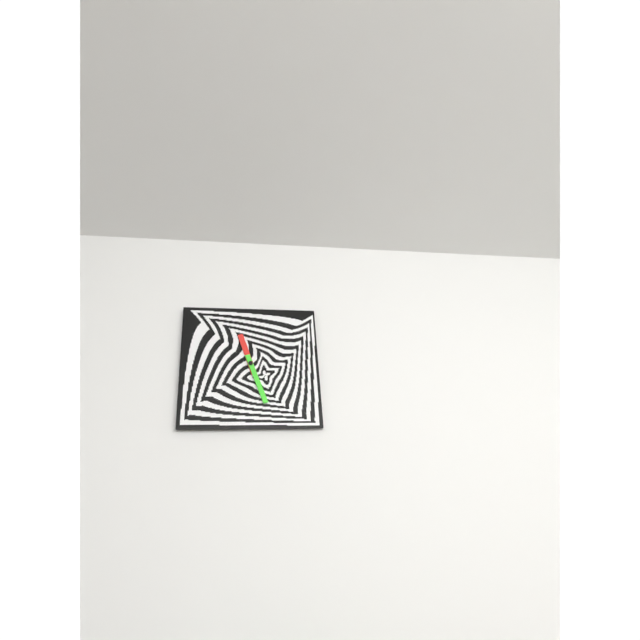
h=11 m=27
